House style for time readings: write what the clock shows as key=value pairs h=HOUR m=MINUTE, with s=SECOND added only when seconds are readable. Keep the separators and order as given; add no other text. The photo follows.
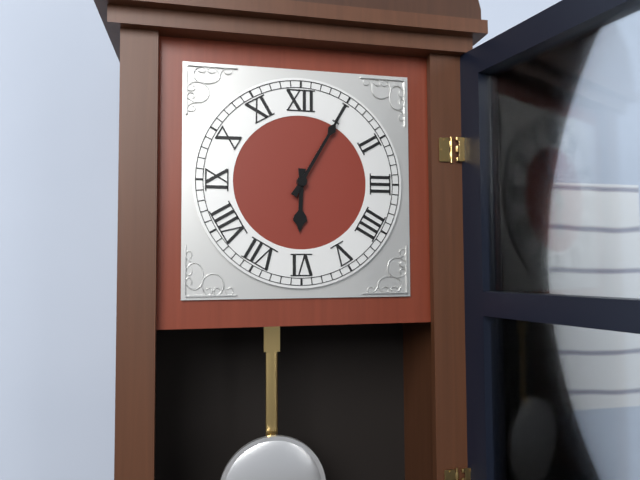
h=6 m=5
